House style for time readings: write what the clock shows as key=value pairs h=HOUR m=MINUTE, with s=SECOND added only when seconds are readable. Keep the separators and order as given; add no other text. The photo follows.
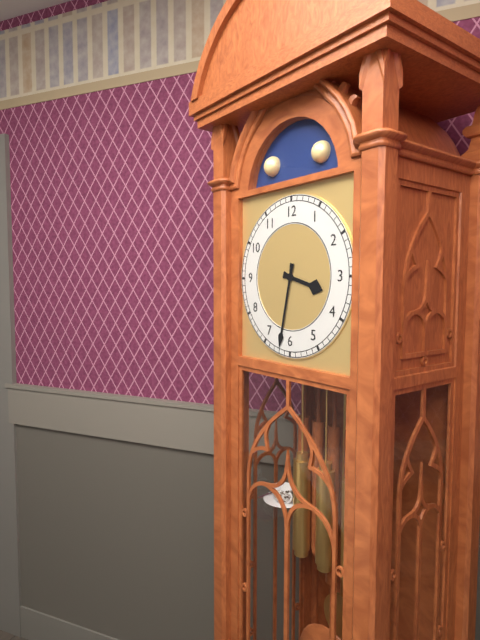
h=3 m=32
